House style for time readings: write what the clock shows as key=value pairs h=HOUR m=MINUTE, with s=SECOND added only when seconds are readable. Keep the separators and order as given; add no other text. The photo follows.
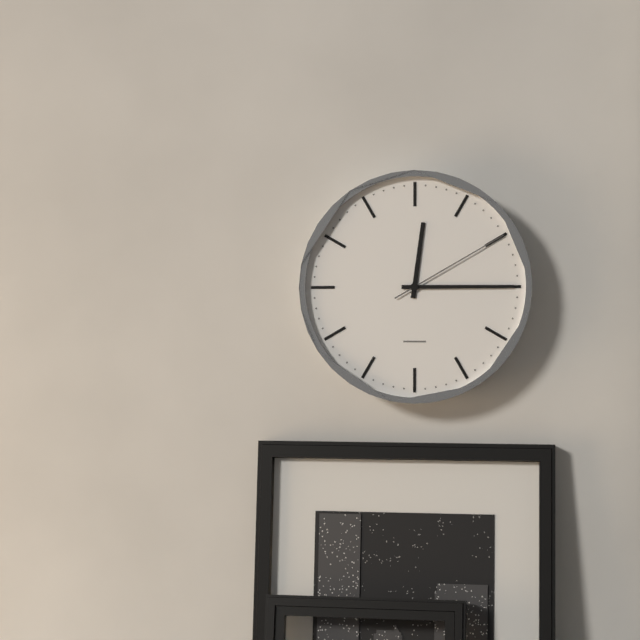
h=12 m=15 s=10
